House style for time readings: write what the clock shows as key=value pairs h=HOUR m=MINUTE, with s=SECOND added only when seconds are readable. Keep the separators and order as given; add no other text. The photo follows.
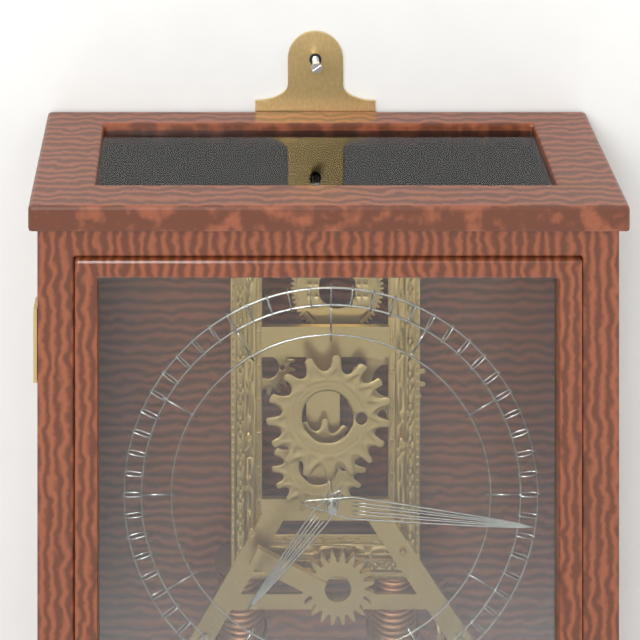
h=7 m=16
